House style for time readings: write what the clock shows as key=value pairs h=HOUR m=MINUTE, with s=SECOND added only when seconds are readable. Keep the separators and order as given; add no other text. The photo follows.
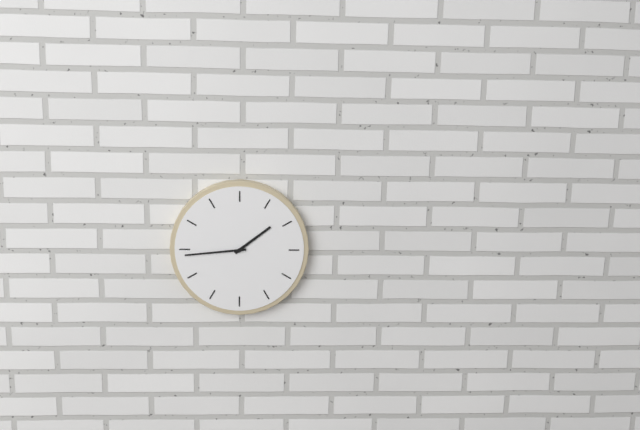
h=1 m=44
